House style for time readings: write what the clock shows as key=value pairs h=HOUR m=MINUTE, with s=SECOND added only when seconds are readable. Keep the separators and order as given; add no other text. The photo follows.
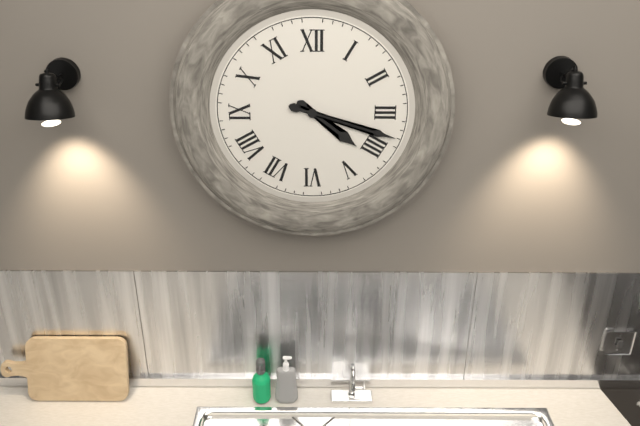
h=4 m=18
